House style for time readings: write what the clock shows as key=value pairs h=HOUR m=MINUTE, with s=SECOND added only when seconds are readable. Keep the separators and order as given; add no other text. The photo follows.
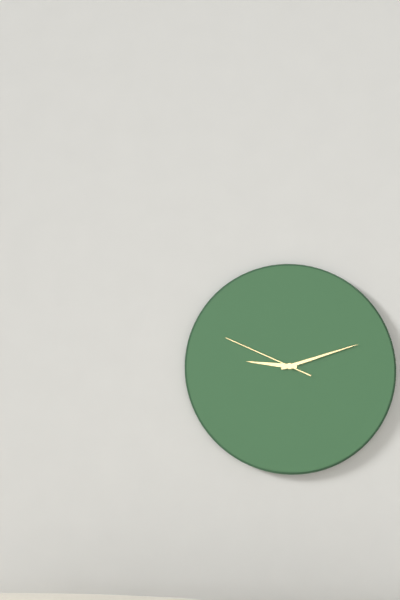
h=9 m=12 s=49
